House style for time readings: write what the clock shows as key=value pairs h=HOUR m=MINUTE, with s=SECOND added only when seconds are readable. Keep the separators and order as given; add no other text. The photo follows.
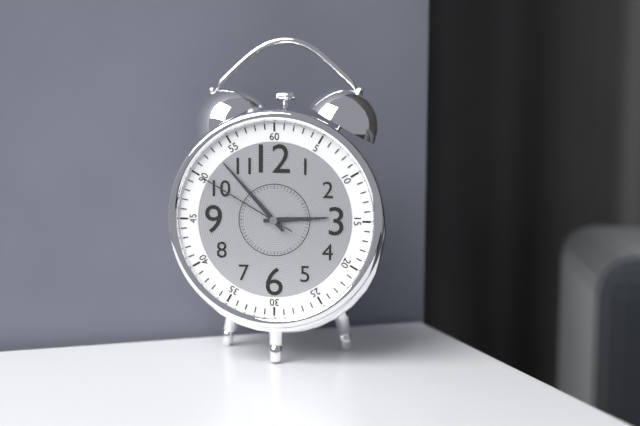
h=2 m=53 s=50
